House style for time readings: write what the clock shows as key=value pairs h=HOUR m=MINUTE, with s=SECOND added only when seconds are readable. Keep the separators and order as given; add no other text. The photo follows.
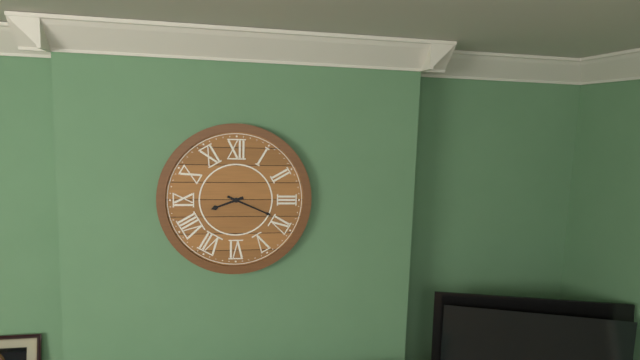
h=8 m=19
